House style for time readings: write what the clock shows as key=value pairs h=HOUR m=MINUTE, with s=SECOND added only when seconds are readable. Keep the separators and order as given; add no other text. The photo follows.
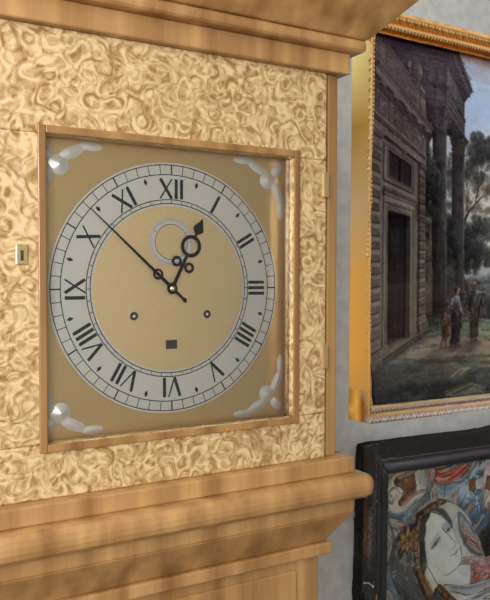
h=12 m=52
